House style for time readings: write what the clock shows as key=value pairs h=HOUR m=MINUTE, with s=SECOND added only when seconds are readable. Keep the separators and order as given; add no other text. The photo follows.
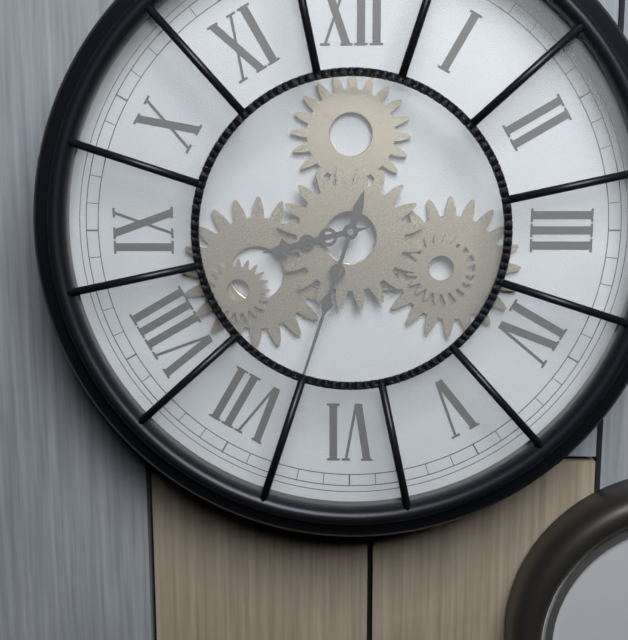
h=8 m=33
